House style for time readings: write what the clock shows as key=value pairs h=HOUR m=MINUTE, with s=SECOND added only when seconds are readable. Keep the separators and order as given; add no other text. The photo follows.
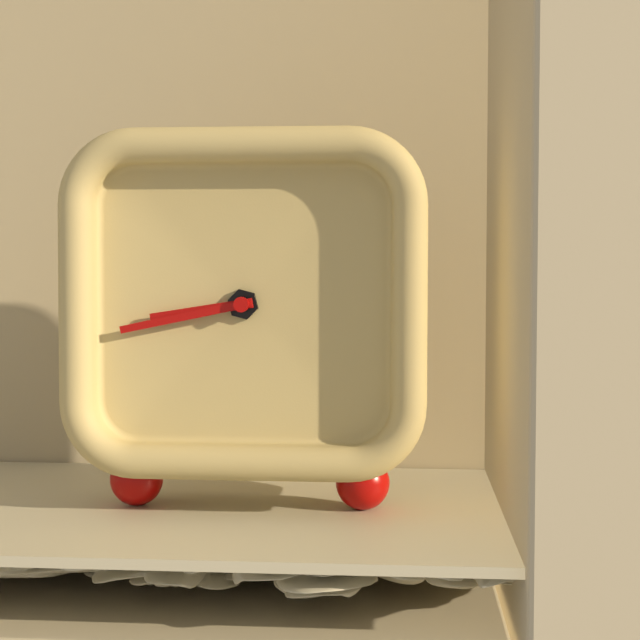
h=8 m=43
